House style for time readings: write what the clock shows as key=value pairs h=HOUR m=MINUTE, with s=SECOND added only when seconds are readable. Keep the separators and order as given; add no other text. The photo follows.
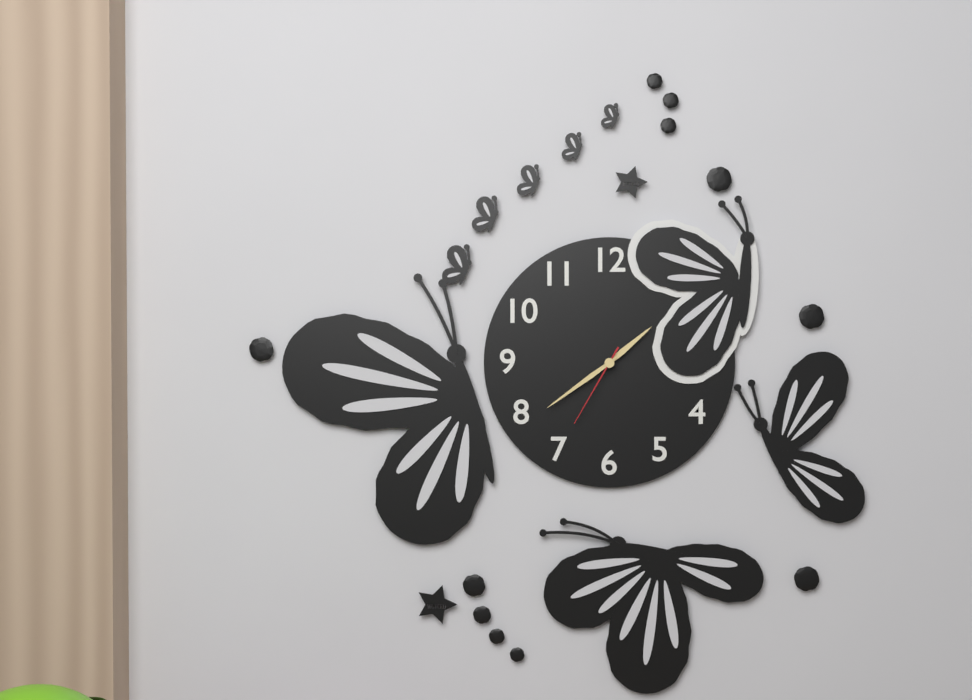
h=1 m=39 s=35
